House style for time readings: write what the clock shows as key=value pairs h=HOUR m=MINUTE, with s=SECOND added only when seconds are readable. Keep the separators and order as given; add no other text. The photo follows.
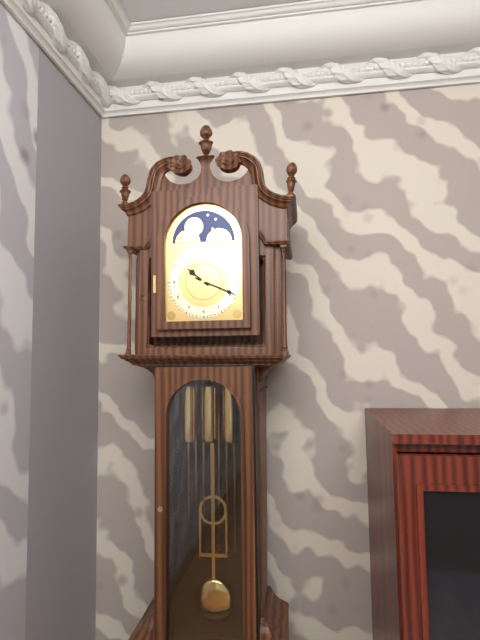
h=10 m=19
